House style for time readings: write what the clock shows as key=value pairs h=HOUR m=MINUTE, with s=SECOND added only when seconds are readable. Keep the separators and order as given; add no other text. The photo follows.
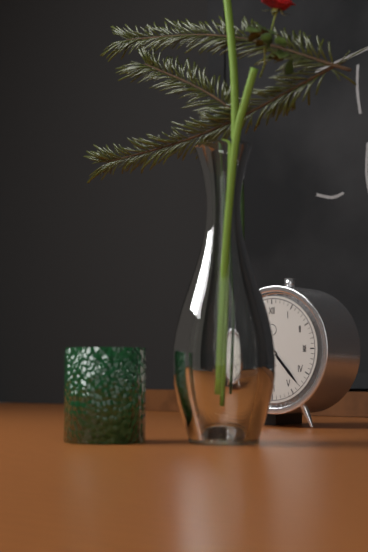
h=10 m=23
